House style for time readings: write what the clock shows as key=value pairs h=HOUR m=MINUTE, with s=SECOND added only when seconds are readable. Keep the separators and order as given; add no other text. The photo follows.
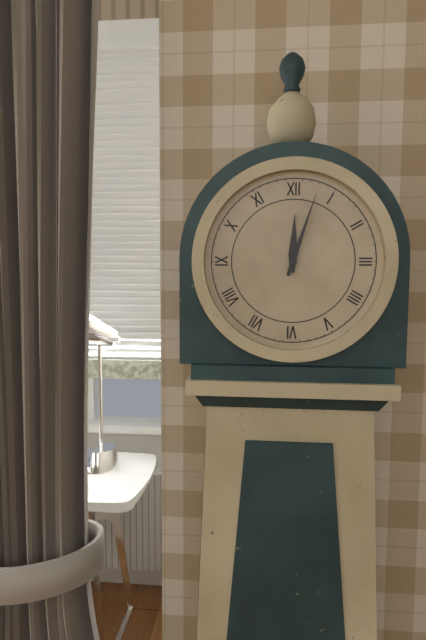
h=12 m=3
